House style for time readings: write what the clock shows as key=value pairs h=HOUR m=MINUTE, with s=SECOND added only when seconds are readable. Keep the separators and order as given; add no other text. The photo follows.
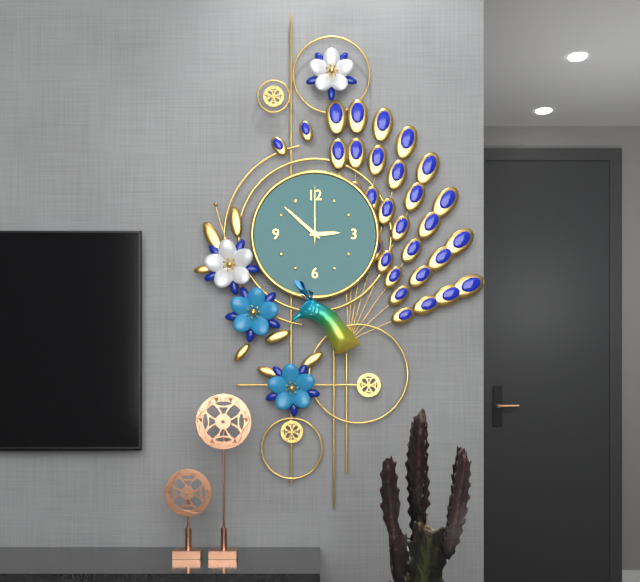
h=2 m=52 s=0
